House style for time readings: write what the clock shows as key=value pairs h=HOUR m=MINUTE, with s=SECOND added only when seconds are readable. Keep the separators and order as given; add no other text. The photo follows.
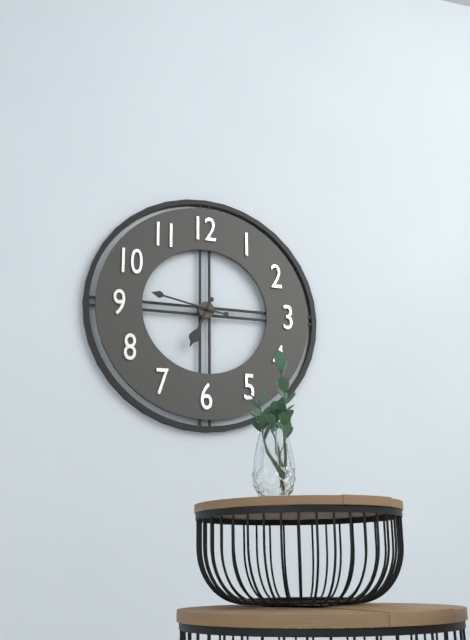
h=6 m=47
